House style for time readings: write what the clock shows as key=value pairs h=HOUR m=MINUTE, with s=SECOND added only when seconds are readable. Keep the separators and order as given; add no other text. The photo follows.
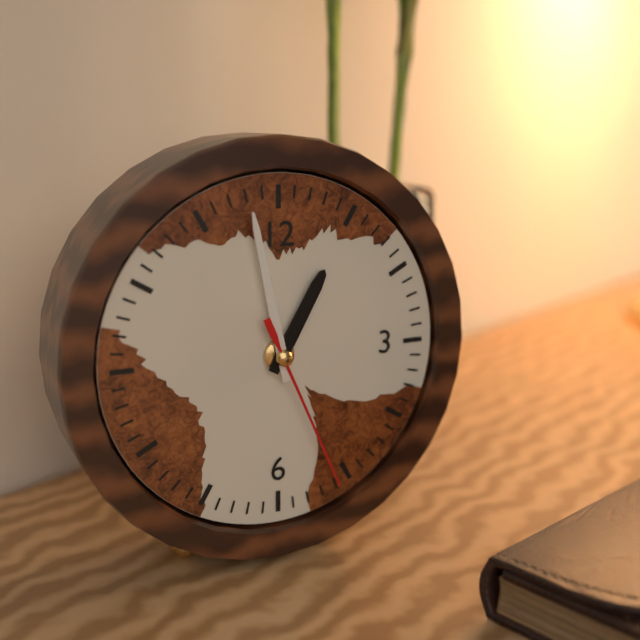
h=12 m=58 s=26
